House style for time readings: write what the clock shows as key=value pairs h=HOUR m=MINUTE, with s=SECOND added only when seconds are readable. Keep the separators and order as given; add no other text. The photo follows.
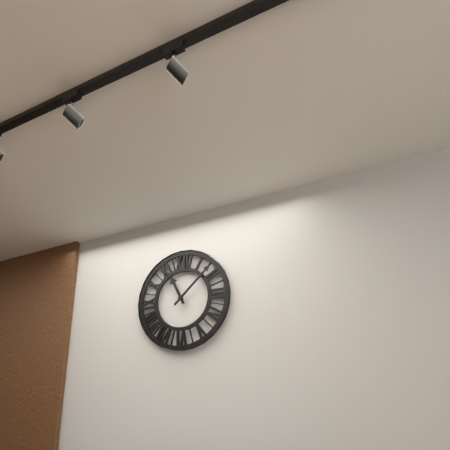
h=11 m=8
